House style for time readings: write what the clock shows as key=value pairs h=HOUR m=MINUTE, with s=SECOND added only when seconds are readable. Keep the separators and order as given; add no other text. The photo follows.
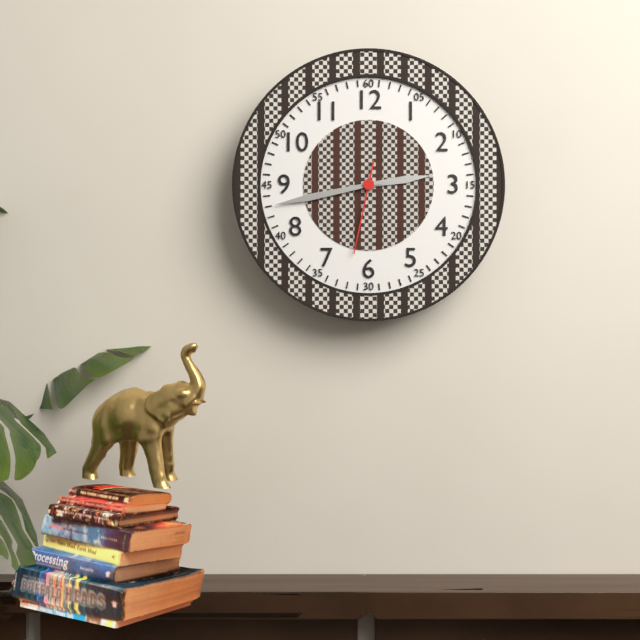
h=2 m=43 s=32
